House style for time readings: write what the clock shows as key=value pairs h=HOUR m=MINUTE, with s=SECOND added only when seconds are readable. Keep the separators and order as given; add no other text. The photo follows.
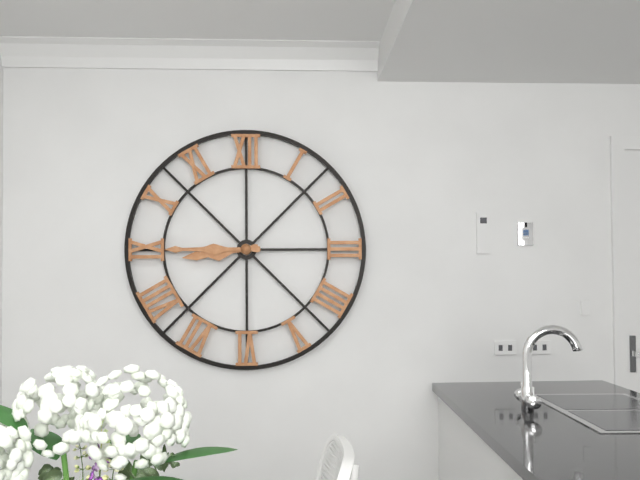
h=8 m=45
